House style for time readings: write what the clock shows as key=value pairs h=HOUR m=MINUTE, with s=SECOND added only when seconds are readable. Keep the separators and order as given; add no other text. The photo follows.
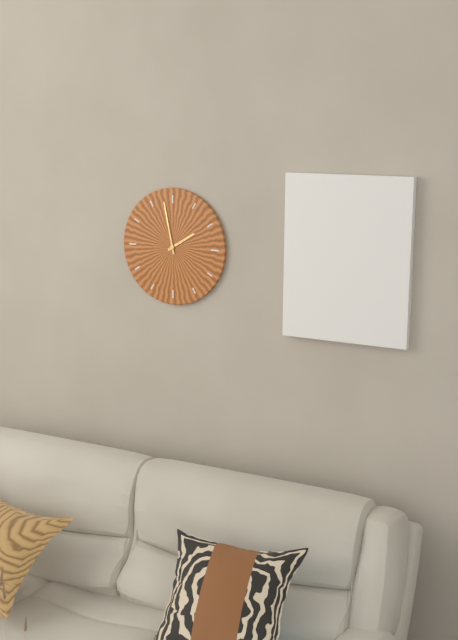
h=1 m=58
